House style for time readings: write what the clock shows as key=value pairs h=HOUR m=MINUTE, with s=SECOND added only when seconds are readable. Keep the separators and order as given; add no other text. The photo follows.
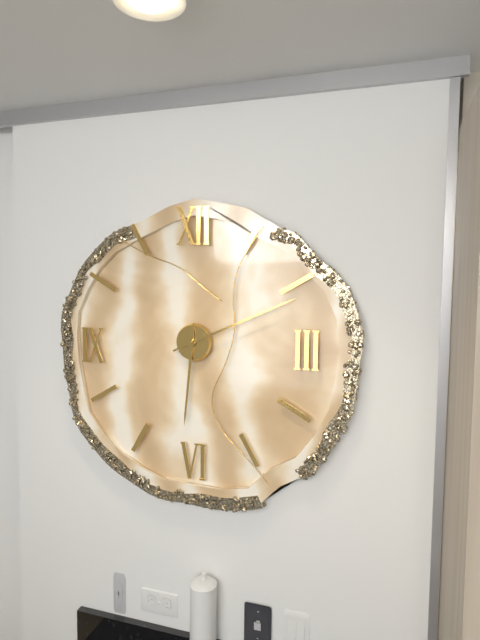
h=6 m=11
